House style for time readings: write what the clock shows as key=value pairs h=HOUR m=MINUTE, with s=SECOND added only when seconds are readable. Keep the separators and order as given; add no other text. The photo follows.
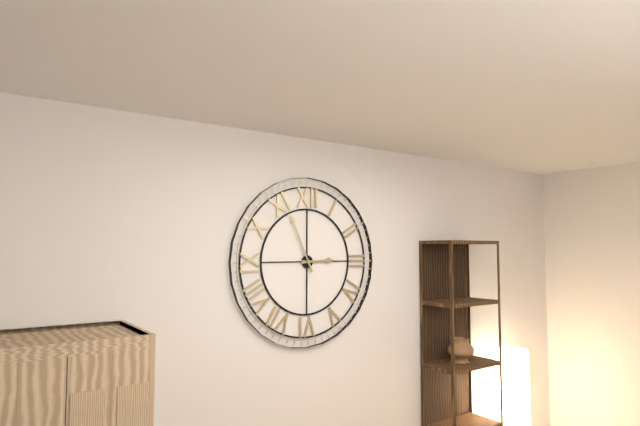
h=2 m=56
